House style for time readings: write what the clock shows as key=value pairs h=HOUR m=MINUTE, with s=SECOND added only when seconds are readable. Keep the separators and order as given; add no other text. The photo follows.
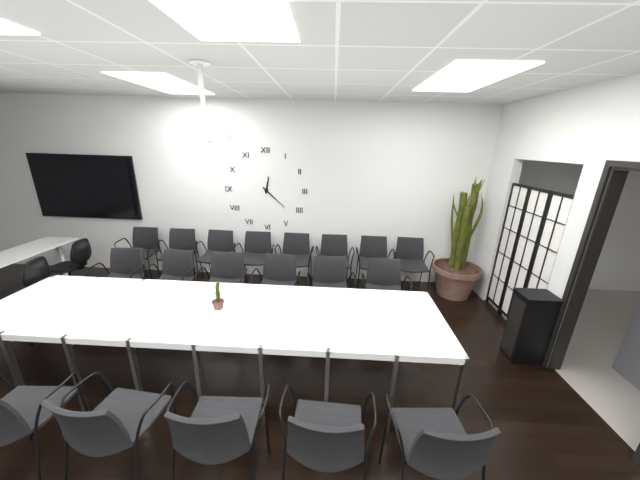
h=12 m=22
